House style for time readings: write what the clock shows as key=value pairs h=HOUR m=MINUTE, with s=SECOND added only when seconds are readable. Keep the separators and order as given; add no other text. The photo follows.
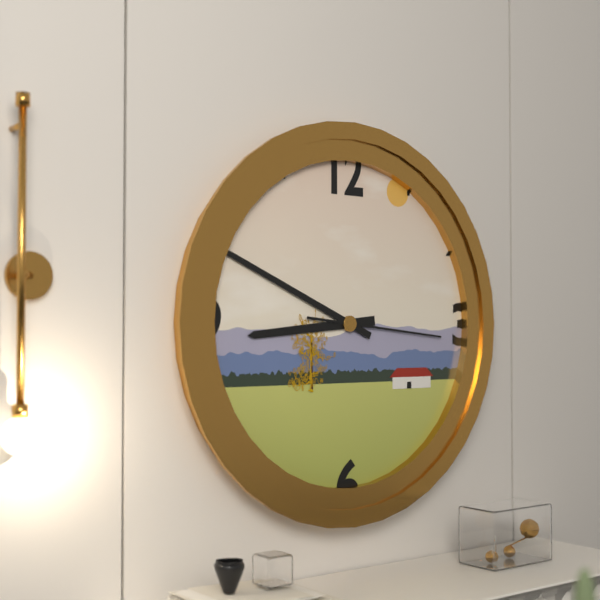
h=8 m=49 s=16
